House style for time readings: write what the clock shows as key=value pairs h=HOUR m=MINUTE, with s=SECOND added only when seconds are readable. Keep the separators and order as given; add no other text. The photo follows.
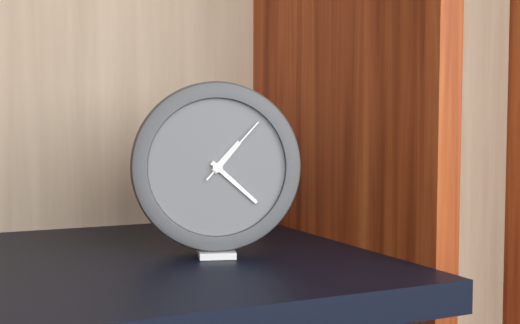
h=1 m=22 s=7
